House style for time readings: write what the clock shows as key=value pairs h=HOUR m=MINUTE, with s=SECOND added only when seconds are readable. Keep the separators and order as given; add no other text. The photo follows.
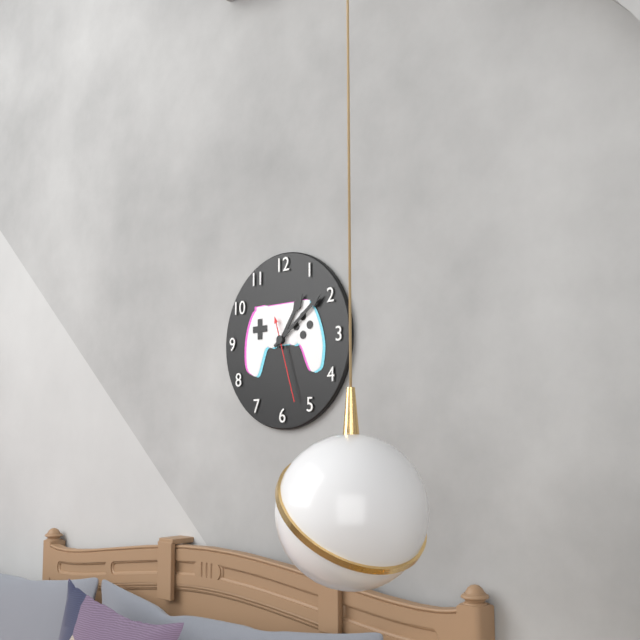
h=1 m=9 s=27
